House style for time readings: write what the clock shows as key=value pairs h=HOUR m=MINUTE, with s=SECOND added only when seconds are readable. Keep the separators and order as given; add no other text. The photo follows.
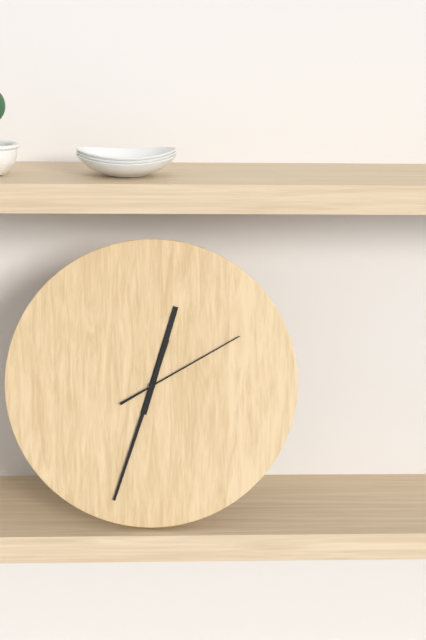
h=12 m=33 s=10
